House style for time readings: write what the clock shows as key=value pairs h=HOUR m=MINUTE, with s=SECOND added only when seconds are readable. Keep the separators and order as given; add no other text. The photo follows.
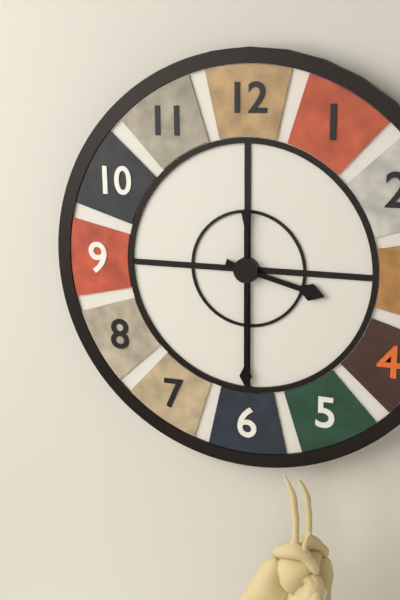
h=3 m=30
